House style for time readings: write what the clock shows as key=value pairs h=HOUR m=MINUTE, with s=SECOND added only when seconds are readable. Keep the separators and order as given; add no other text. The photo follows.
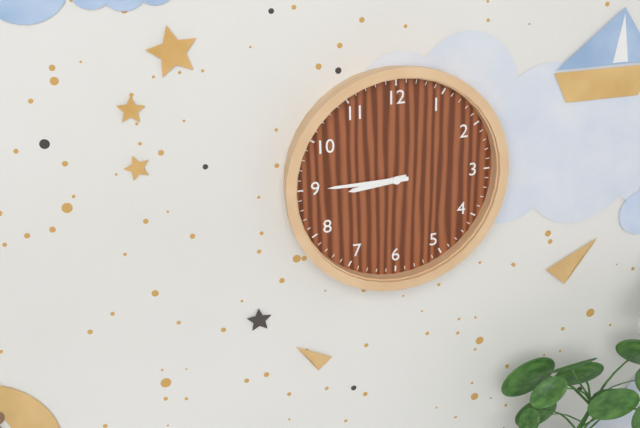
h=8 m=45
